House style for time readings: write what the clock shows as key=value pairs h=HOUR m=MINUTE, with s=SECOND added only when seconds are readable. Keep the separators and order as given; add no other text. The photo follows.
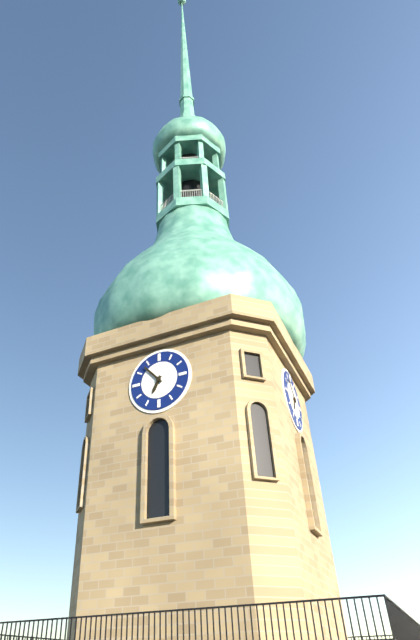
h=6 m=53
